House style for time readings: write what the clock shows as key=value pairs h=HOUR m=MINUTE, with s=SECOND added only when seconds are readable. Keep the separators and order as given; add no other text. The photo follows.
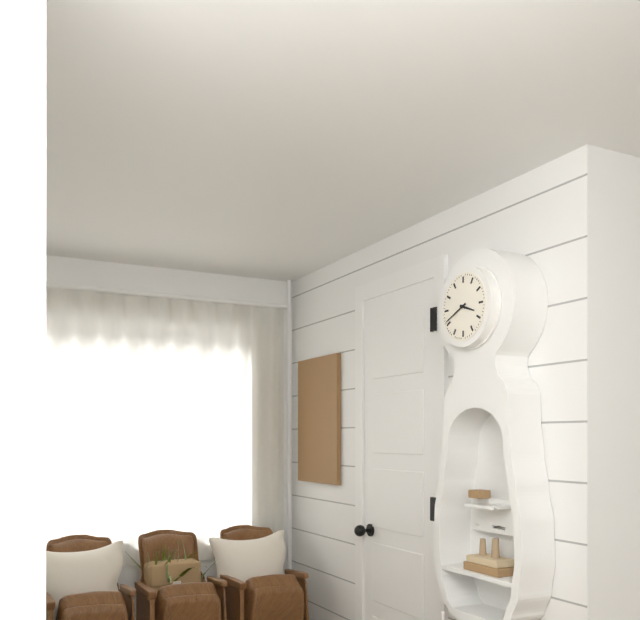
h=3 m=41
